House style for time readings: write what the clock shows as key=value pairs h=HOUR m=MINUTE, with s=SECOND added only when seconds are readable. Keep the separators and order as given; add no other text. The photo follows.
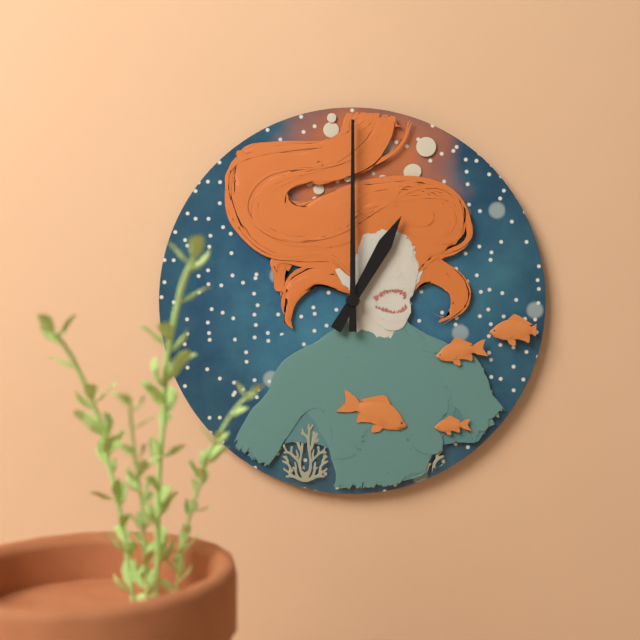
h=1 m=0
